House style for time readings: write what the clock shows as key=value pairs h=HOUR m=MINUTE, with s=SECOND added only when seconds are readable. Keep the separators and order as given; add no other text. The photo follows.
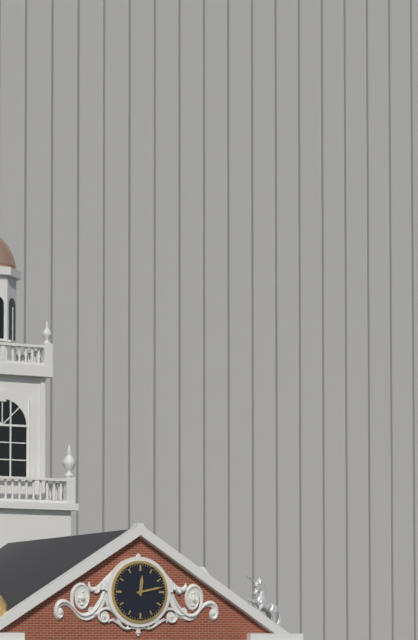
h=12 m=13
